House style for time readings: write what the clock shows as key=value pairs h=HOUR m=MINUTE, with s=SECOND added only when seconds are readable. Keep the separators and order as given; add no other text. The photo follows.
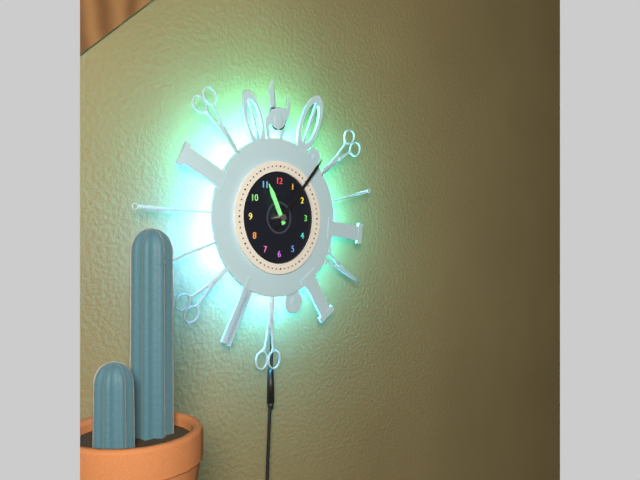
h=11 m=7
